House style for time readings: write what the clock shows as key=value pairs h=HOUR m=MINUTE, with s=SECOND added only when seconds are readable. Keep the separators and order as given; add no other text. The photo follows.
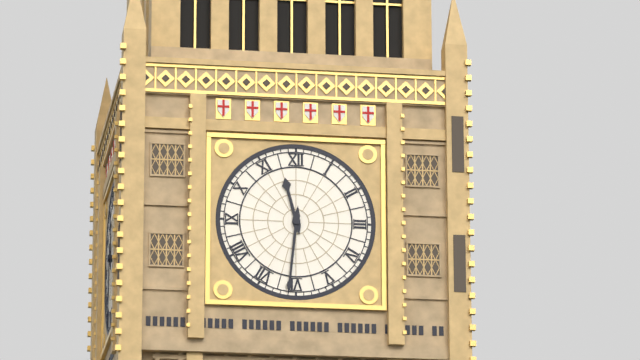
h=11 m=31
